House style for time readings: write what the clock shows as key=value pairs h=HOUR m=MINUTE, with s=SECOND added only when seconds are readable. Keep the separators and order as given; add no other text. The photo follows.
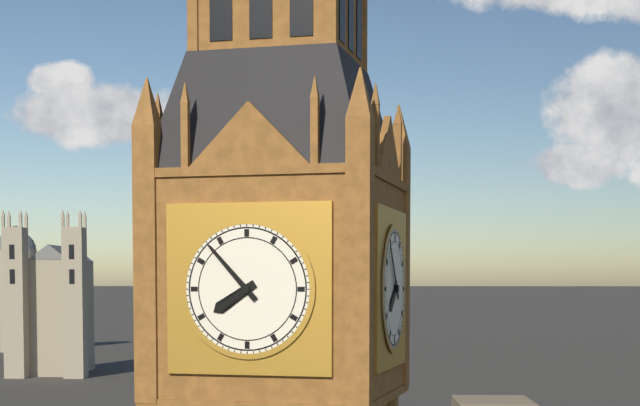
h=7 m=53
